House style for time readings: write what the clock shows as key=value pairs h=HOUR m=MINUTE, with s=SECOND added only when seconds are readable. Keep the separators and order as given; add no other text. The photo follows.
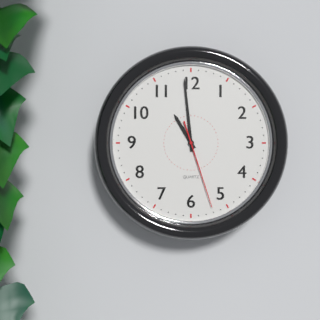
h=10 m=59 s=27
